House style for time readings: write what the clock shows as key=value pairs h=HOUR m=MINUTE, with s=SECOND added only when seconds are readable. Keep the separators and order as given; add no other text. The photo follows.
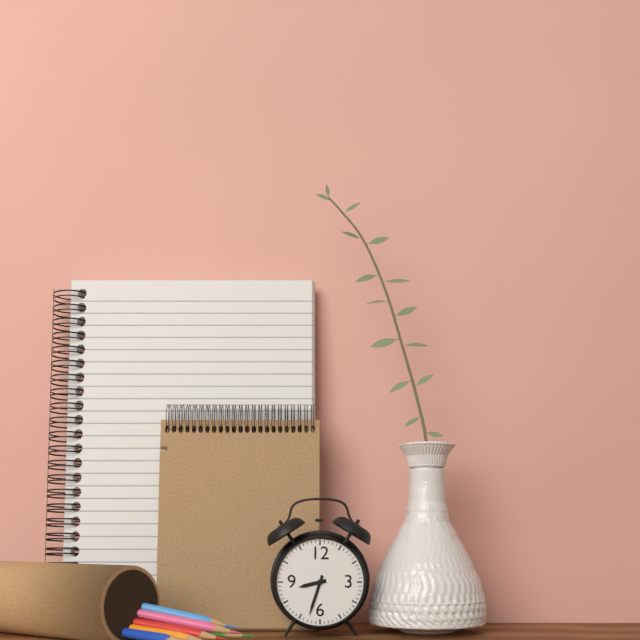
h=8 m=33
